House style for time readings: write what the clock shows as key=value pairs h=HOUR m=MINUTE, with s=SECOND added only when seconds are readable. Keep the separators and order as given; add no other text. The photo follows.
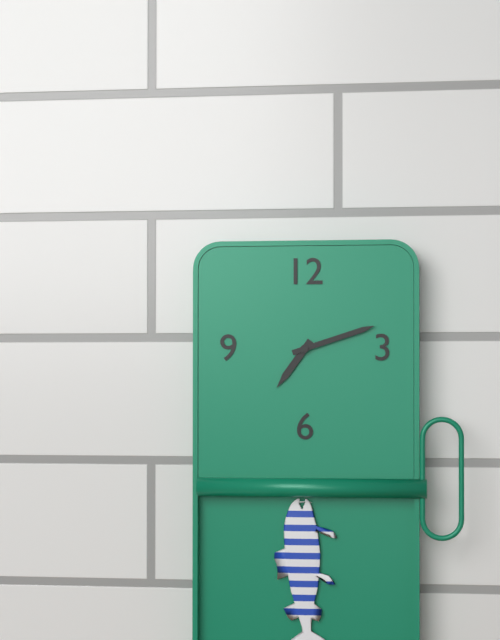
h=7 m=12
